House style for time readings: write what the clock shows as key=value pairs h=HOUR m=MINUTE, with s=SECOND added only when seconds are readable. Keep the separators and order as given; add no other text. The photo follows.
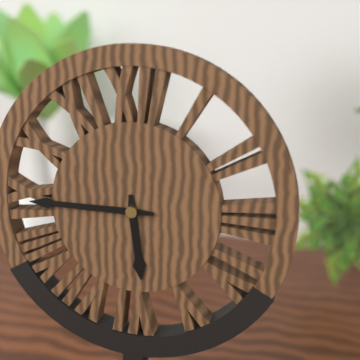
h=5 m=45
